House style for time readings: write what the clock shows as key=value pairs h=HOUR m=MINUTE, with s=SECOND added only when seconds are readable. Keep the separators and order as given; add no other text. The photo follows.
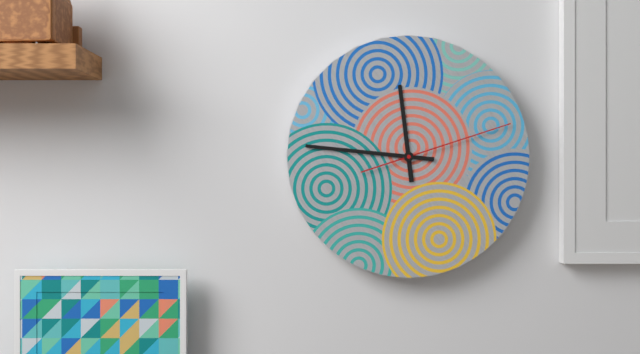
h=11 m=46 s=12
